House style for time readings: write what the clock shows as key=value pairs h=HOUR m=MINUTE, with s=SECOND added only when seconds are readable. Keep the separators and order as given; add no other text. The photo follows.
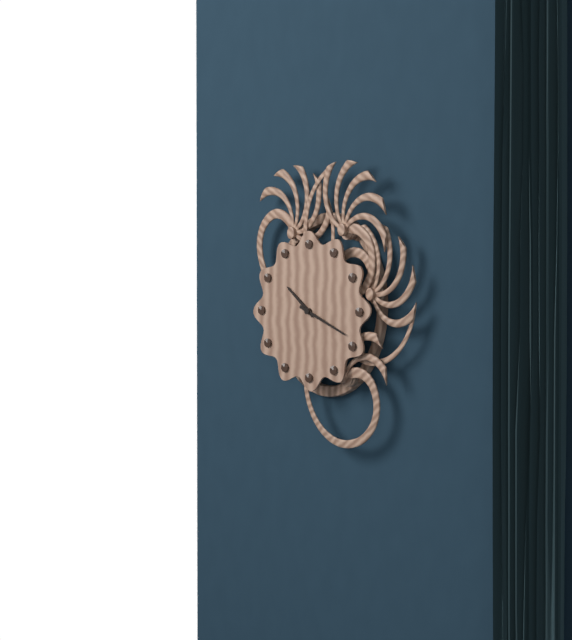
h=10 m=19
